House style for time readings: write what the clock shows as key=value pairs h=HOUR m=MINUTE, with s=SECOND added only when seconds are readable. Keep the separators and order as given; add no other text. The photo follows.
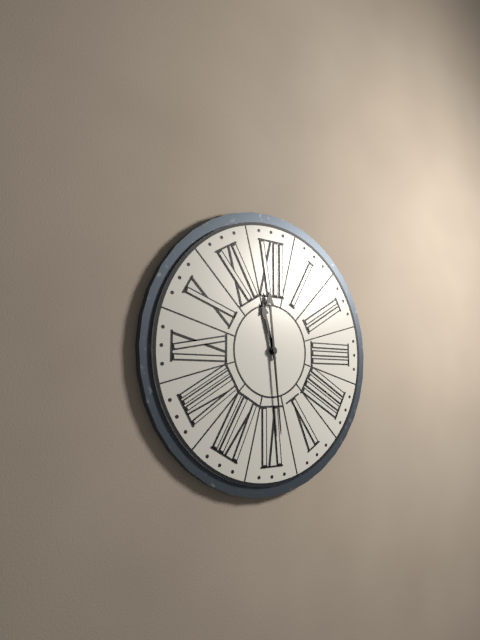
h=11 m=29
